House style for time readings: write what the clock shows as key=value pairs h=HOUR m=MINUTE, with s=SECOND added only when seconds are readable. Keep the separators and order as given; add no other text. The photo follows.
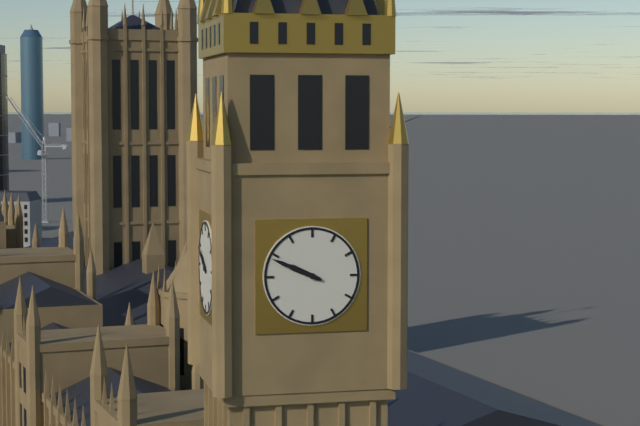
h=9 m=49
